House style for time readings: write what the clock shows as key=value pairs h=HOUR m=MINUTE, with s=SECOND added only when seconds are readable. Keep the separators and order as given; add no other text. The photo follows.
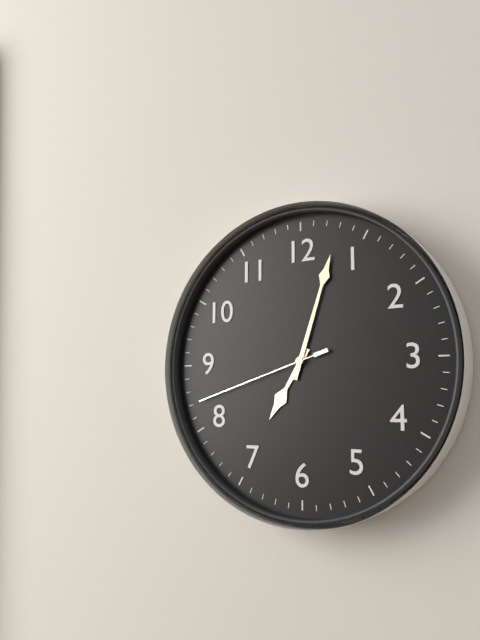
h=7 m=3 s=42
